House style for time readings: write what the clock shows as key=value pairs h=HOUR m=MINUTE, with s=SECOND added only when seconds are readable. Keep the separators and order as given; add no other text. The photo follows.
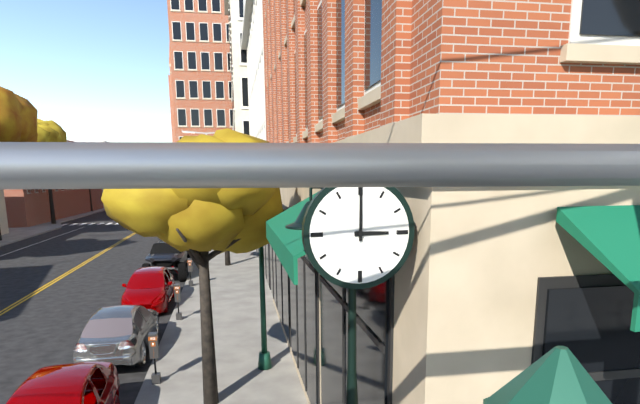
h=3 m=0
